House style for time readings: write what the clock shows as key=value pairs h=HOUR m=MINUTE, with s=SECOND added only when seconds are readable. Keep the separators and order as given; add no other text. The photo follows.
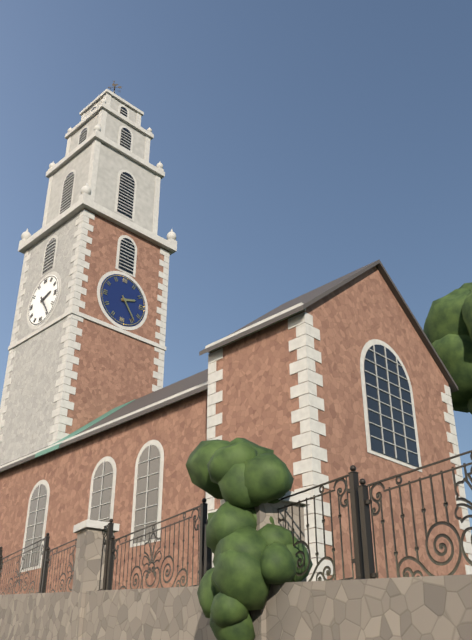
h=2 m=24
